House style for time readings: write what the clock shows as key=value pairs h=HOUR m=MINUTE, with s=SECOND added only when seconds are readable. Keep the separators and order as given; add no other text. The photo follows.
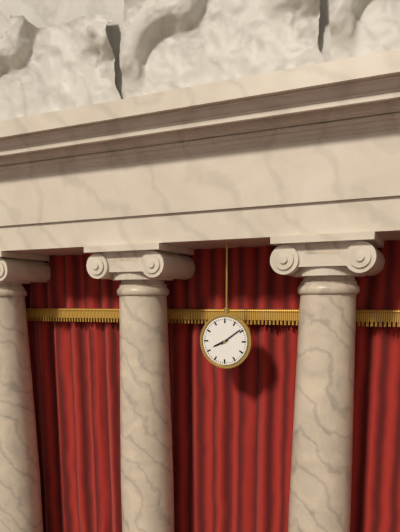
h=8 m=9
